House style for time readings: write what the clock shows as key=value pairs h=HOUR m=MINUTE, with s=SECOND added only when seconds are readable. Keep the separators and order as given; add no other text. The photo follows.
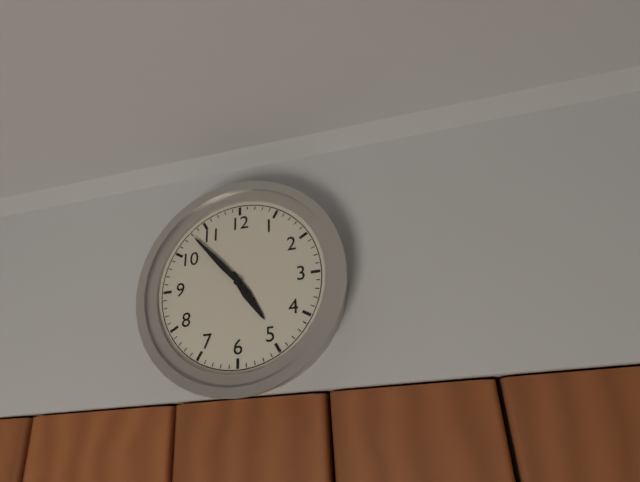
h=4 m=53
